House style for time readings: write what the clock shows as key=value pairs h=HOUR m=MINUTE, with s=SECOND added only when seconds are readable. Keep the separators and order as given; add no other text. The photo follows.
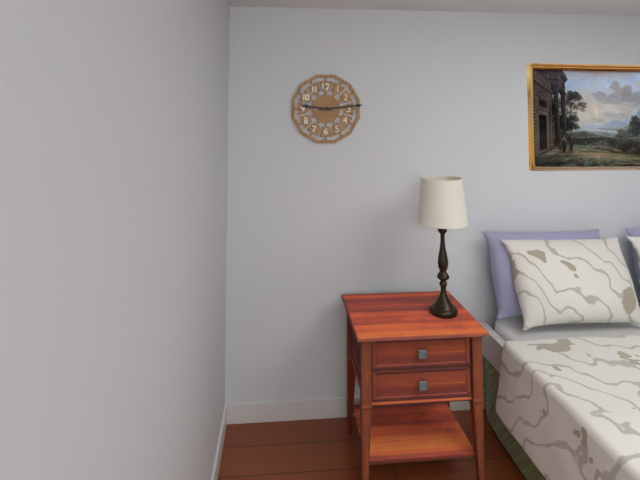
h=9 m=14
